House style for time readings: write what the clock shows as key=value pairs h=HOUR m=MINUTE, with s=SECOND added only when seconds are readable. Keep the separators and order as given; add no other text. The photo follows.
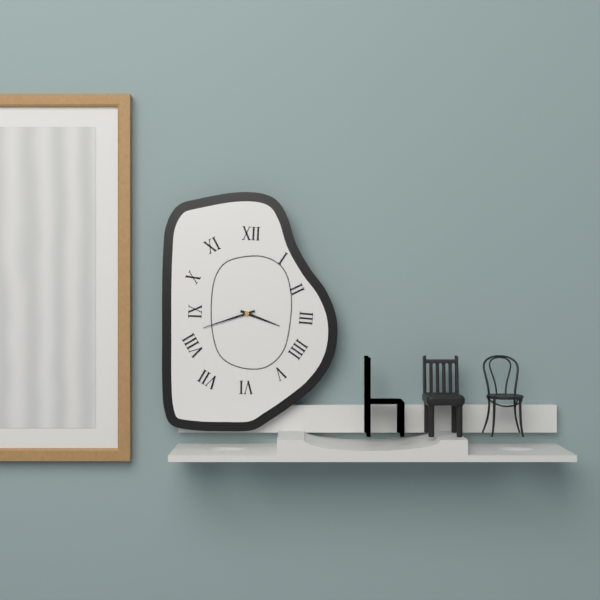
h=3 m=42
